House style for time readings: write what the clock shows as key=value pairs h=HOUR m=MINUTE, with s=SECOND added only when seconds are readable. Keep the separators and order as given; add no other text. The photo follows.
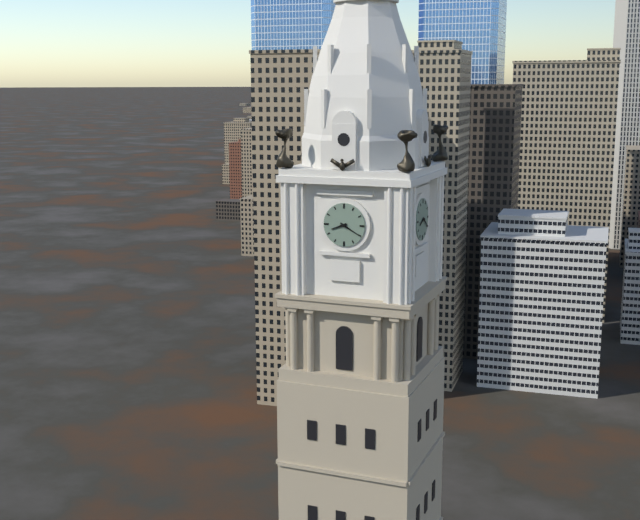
h=8 m=20
